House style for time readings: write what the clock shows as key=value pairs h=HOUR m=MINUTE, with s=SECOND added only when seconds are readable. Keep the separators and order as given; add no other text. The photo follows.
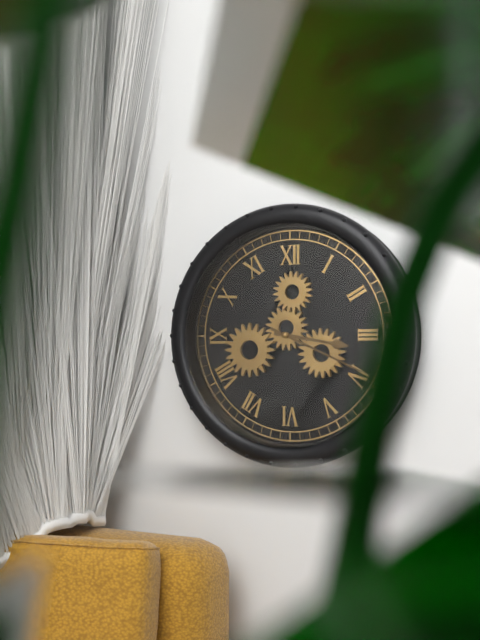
h=3 m=19
